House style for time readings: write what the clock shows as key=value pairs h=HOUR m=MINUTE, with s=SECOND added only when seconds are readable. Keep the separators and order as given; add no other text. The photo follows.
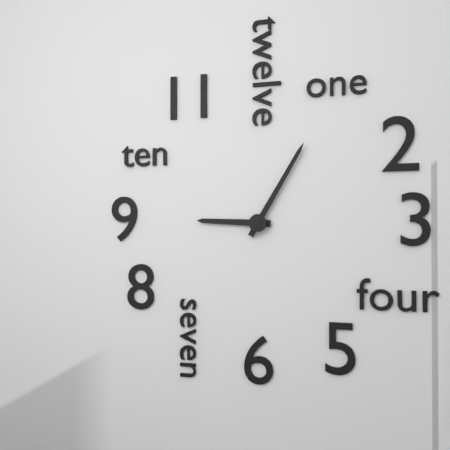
h=9 m=5
